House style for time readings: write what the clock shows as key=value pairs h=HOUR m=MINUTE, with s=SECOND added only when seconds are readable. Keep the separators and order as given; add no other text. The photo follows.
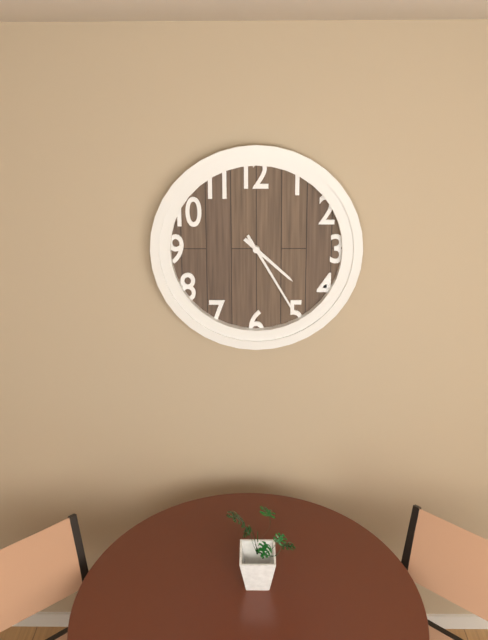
h=4 m=25
